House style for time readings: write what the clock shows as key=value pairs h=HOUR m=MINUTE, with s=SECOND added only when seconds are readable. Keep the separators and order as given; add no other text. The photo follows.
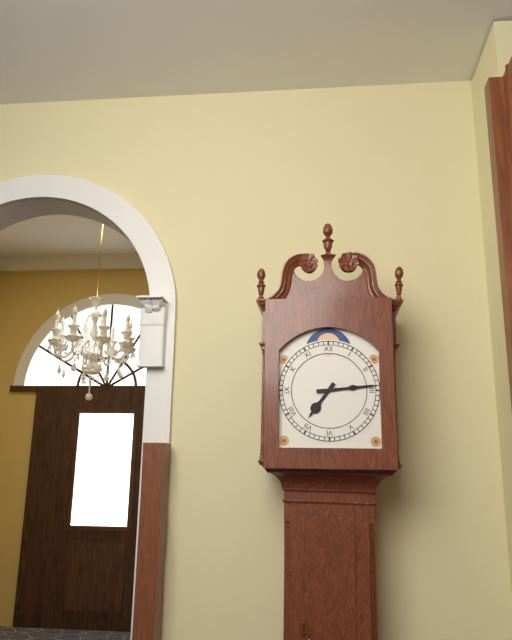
h=7 m=14
